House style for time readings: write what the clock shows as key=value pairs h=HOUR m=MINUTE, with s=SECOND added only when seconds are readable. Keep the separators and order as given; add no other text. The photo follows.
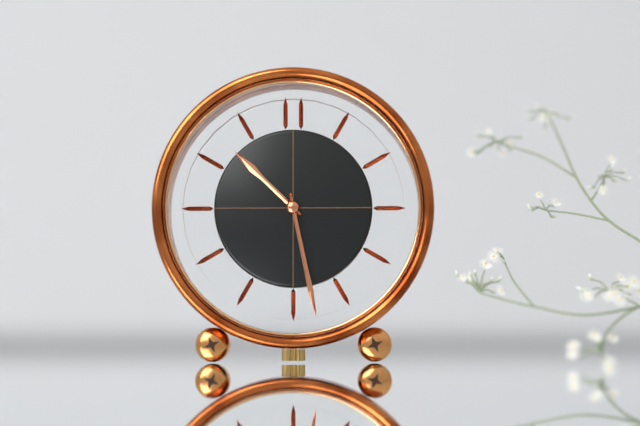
h=10 m=28
